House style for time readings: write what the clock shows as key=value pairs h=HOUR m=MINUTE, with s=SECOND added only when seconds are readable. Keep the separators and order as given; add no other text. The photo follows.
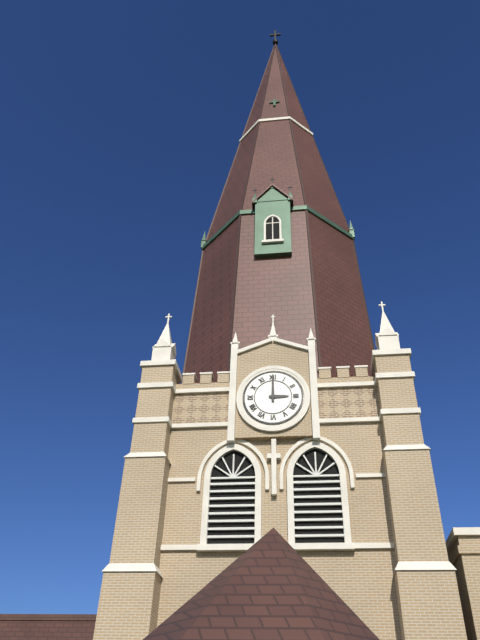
h=3 m=0
